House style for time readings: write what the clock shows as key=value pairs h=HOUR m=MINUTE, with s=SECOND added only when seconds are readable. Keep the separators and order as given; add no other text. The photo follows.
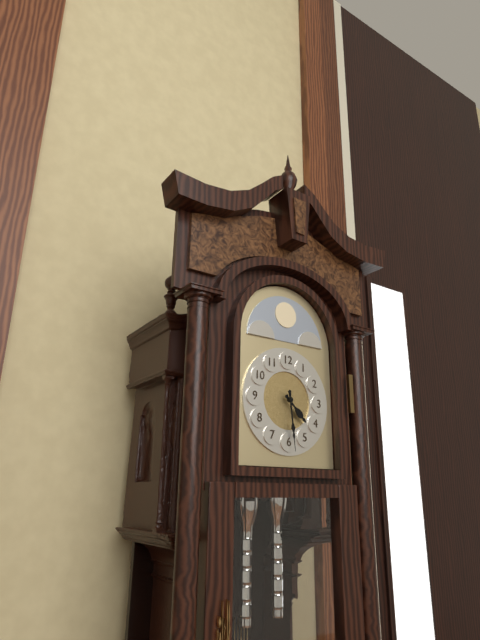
h=4 m=29
